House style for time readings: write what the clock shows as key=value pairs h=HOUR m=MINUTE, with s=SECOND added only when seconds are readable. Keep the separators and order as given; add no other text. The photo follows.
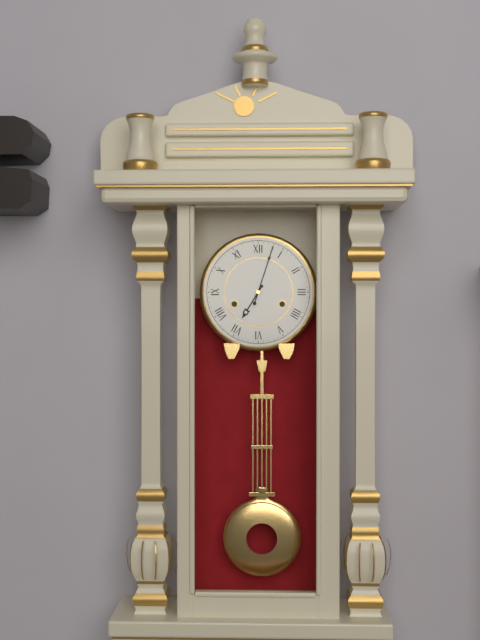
h=7 m=3
